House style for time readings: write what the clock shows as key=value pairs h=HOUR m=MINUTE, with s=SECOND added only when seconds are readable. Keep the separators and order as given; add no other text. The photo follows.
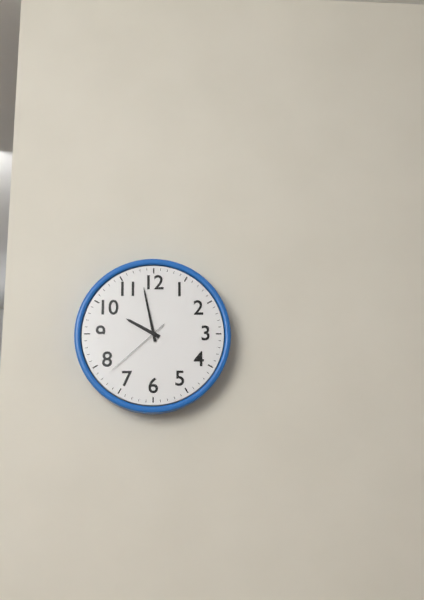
h=9 m=58 s=38
